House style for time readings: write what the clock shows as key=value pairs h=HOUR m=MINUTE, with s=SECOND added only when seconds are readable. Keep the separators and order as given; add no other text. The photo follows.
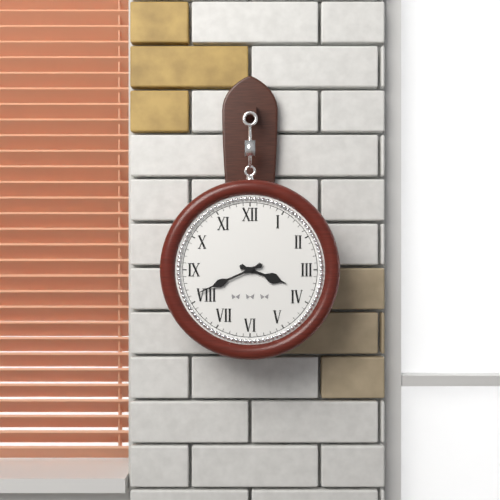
h=3 m=41
